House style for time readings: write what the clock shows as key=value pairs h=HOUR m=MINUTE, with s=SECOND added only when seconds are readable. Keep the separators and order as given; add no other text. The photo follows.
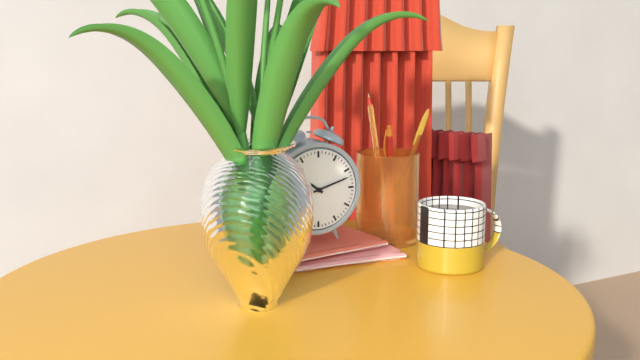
h=10 m=12
